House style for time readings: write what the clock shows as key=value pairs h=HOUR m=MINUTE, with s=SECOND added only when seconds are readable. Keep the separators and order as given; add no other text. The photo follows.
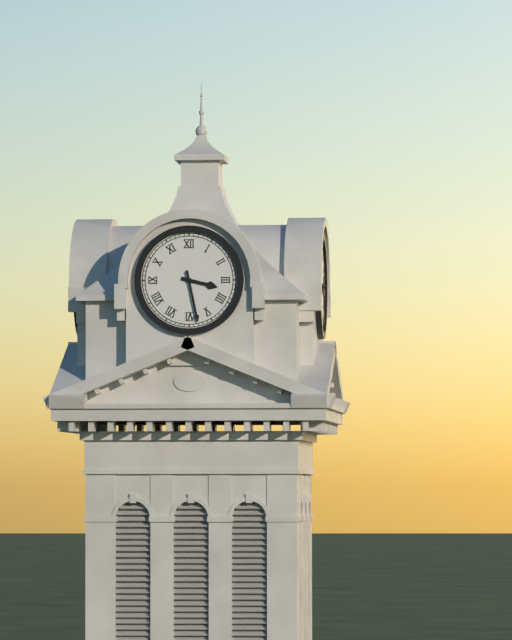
h=3 m=28
